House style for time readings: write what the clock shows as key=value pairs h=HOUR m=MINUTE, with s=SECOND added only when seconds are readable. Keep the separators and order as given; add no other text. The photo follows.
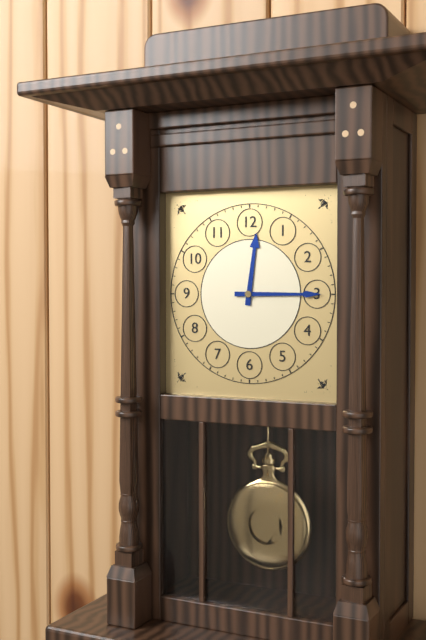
h=12 m=15
